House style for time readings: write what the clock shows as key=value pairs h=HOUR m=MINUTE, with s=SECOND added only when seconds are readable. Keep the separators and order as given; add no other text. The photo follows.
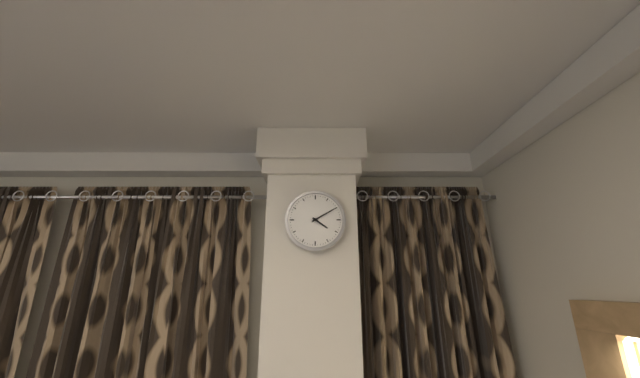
h=4 m=10
